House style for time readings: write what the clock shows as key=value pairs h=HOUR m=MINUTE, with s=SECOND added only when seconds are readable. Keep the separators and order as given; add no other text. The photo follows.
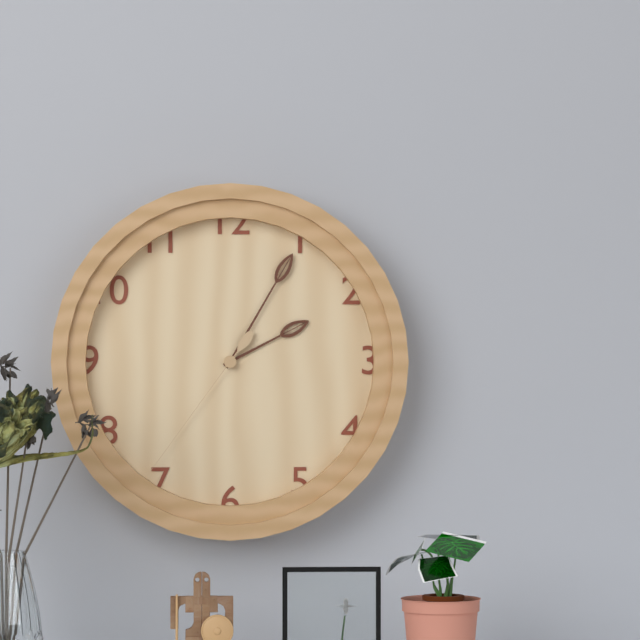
h=2 m=5 s=36
